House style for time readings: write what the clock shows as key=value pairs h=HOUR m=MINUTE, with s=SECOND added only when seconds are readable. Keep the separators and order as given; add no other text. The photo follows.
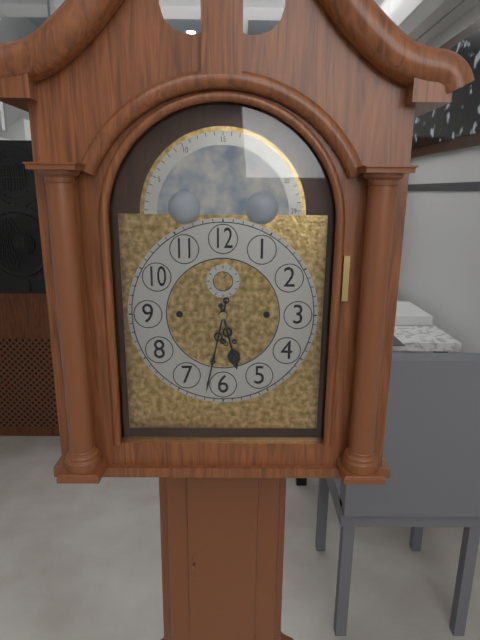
h=5 m=32
